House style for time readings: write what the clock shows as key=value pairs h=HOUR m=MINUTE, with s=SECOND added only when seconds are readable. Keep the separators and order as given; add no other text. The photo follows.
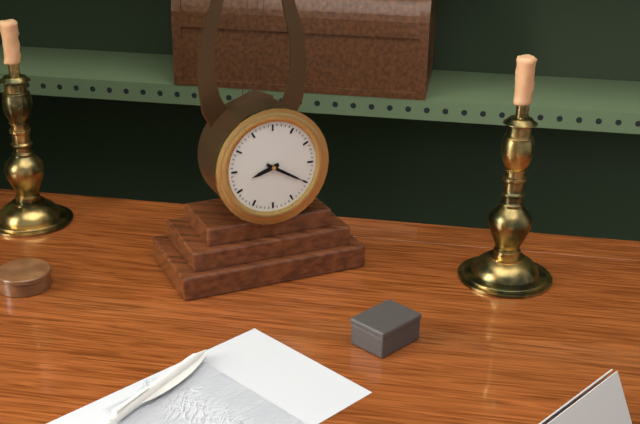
h=8 m=20
